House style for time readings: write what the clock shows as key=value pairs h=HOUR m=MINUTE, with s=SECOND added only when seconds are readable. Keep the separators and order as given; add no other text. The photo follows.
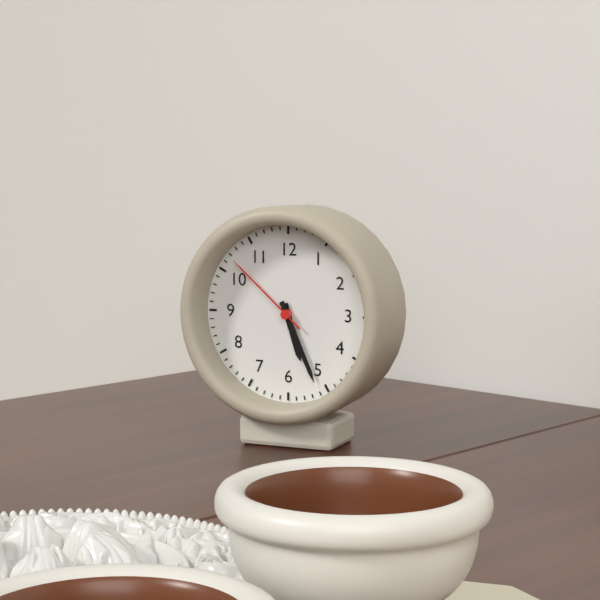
h=5 m=26 s=52
